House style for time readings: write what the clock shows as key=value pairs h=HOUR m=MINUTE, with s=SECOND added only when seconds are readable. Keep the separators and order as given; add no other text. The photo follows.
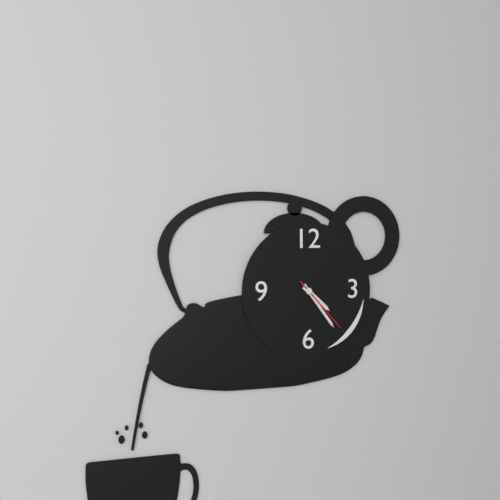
h=4 m=24 s=23
